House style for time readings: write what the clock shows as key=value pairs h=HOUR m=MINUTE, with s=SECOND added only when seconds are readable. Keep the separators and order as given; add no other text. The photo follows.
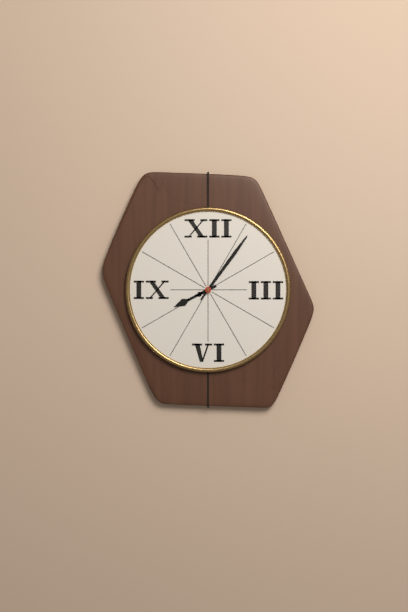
h=8 m=6
